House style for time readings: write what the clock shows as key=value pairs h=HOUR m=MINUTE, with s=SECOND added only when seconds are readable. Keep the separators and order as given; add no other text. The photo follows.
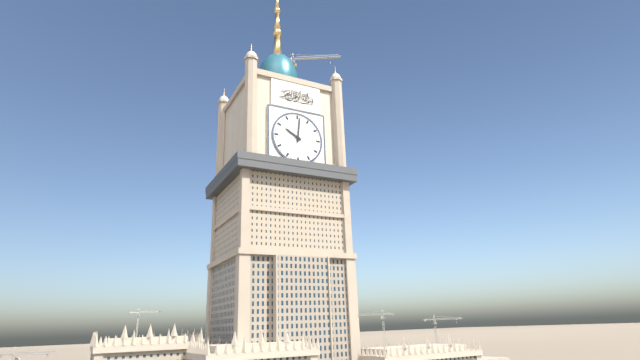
h=10 m=1
